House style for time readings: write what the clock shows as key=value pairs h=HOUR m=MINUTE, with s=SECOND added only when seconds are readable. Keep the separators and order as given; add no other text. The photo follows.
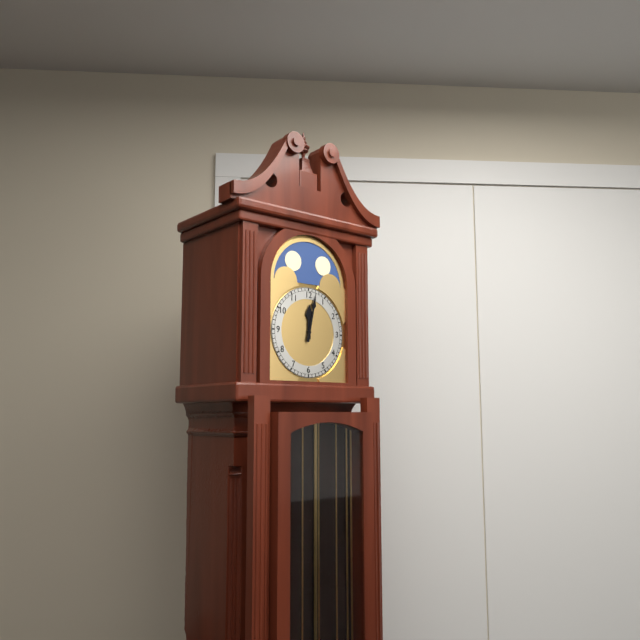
h=12 m=2
